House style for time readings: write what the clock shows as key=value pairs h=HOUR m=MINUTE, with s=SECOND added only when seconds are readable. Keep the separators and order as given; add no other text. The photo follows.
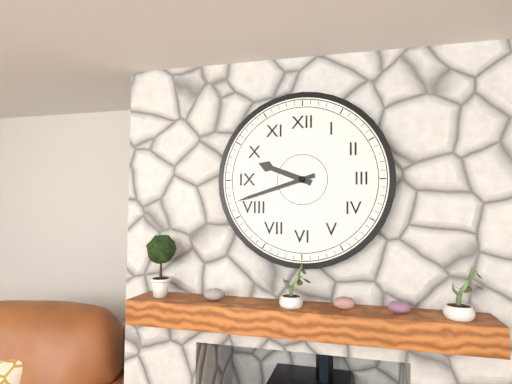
h=9 m=42
